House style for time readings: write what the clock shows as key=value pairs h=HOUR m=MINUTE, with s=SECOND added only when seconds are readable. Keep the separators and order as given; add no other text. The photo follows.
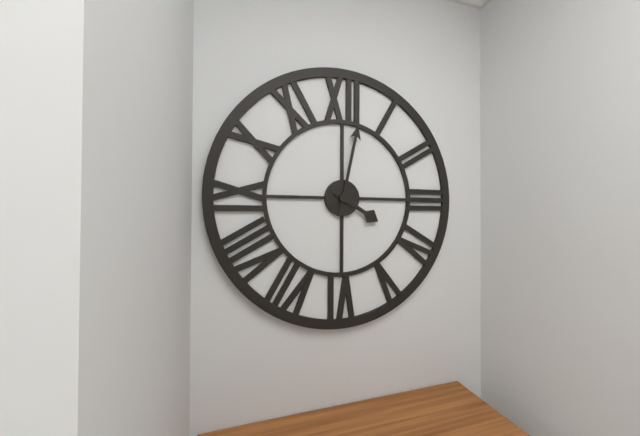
h=4 m=2
